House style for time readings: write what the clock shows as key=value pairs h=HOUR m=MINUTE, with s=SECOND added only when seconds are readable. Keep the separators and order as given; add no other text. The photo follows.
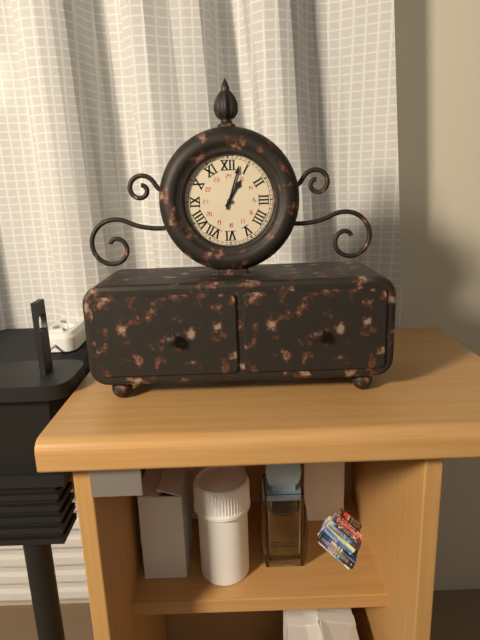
h=1 m=3
